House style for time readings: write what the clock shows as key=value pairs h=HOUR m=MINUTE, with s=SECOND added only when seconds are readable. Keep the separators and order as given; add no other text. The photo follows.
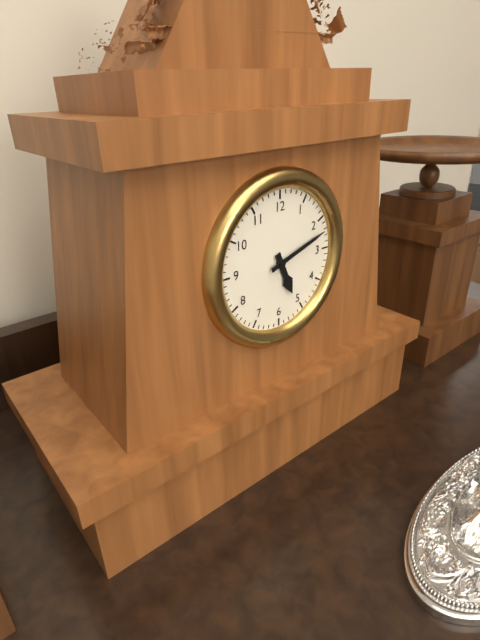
h=5 m=12
